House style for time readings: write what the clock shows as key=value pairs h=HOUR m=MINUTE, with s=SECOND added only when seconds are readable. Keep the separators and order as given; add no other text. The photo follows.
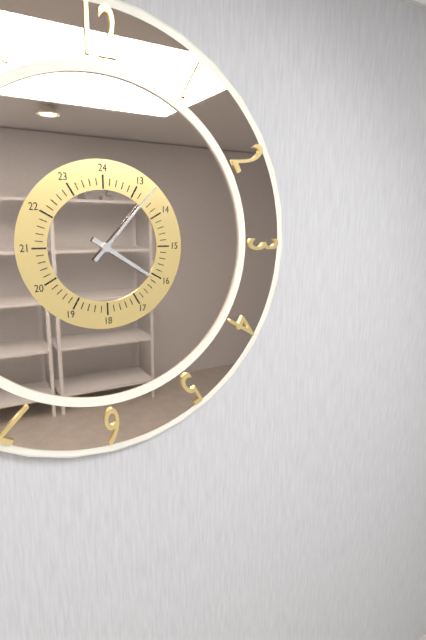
h=4 m=7
